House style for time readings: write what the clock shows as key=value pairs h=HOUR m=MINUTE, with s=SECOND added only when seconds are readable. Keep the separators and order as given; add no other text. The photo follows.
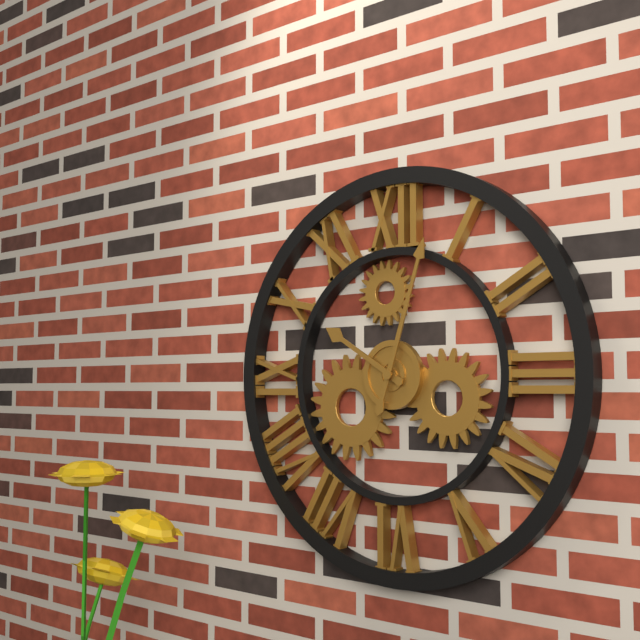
h=10 m=3
